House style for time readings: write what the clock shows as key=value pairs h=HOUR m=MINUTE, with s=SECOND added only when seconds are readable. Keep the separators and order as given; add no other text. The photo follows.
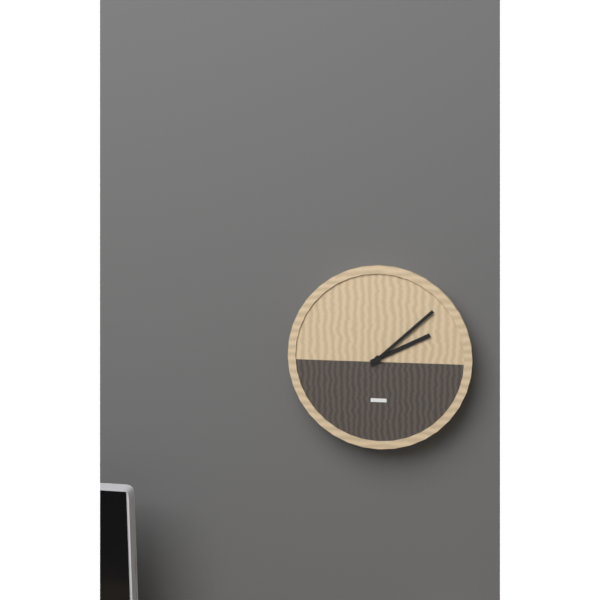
h=2 m=8
